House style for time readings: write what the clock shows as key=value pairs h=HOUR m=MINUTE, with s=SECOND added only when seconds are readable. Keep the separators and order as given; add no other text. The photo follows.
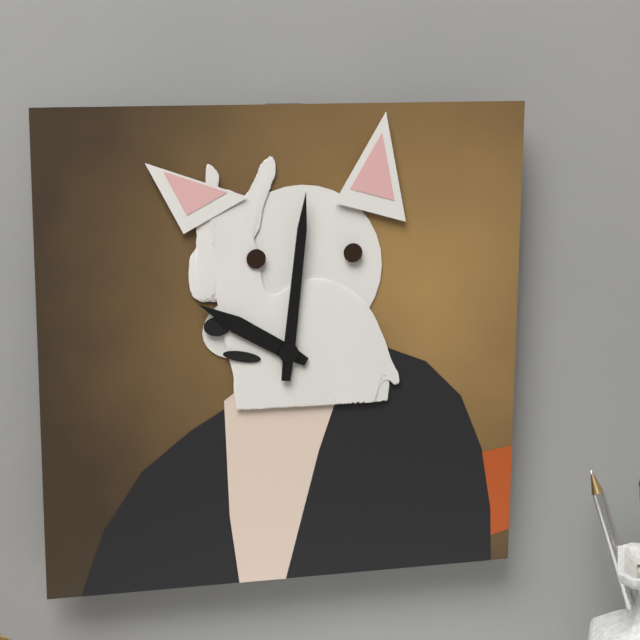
h=10 m=1
